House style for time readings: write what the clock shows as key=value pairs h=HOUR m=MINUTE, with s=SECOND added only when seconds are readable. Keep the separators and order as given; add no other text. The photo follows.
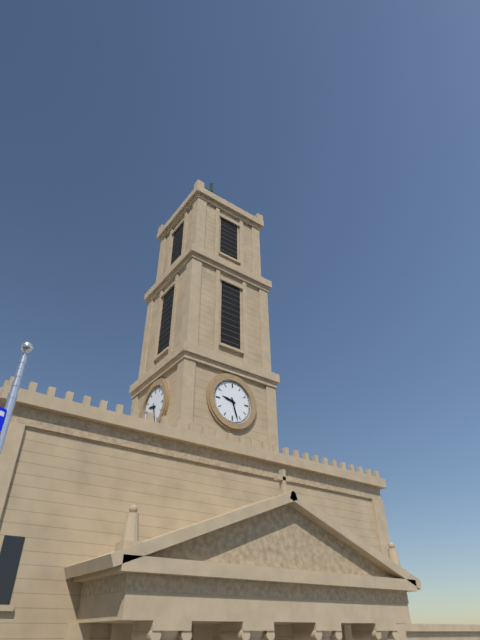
h=9 m=27
